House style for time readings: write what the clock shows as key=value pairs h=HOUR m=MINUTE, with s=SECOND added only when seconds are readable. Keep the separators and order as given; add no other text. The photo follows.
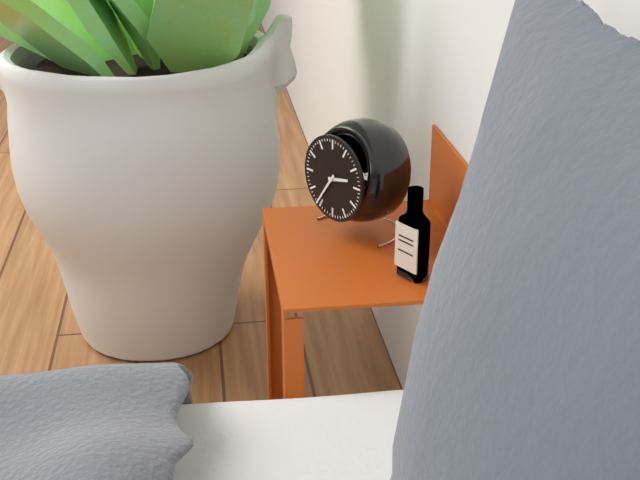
h=2 m=36
